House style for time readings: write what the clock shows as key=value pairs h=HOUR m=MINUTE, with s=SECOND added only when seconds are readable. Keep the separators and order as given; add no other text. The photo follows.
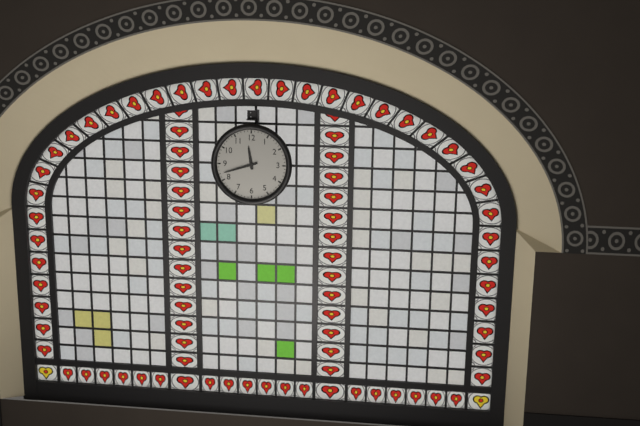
h=11 m=42
